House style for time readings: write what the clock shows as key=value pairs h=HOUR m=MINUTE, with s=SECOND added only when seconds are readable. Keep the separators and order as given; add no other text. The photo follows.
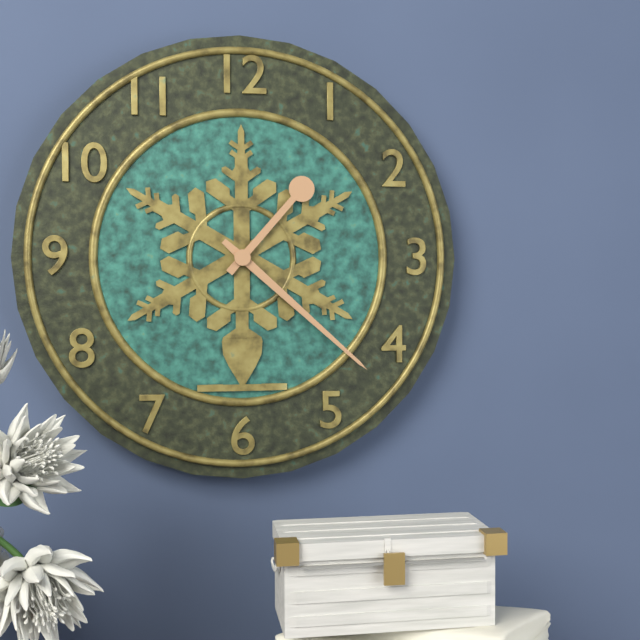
h=1 m=22
